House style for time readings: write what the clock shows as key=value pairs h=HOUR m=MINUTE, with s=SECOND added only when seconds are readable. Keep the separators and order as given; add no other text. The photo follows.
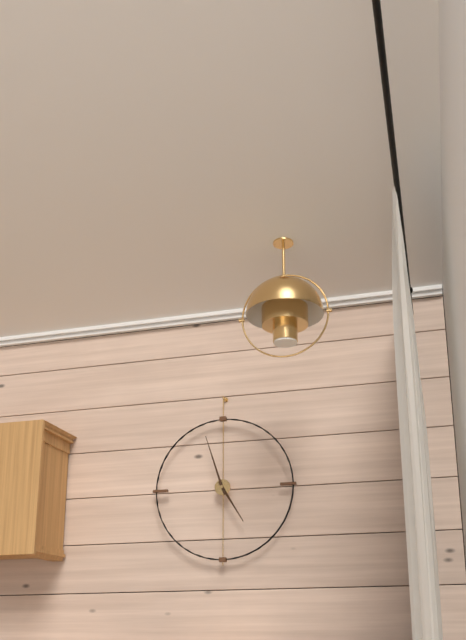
h=4 m=57
